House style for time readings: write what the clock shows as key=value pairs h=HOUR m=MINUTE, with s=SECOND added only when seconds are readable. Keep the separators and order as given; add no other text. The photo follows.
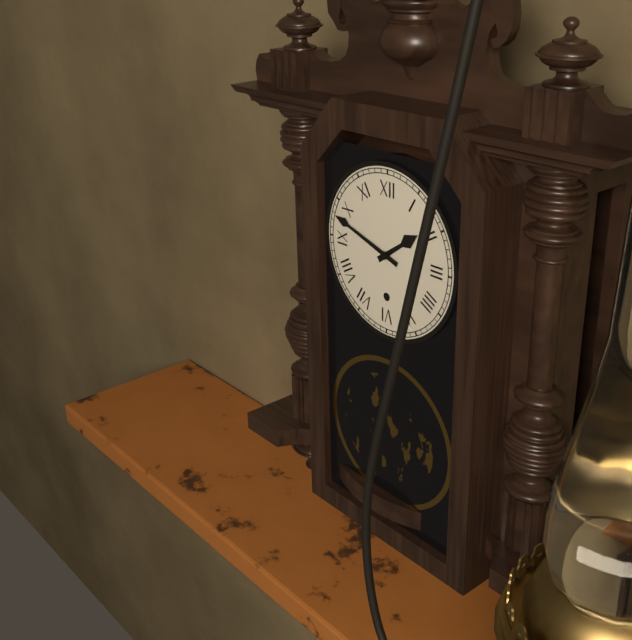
h=1 m=48
